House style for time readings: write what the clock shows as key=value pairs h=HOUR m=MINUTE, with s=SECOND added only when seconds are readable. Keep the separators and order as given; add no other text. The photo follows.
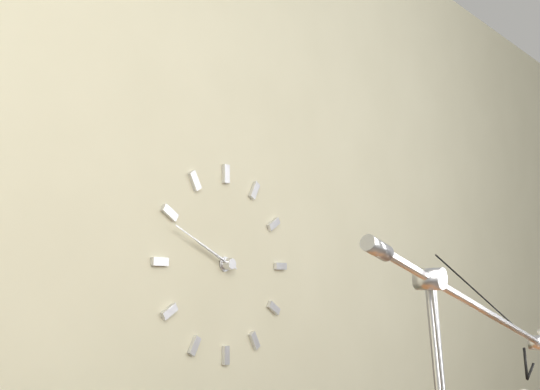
h=9 m=49
